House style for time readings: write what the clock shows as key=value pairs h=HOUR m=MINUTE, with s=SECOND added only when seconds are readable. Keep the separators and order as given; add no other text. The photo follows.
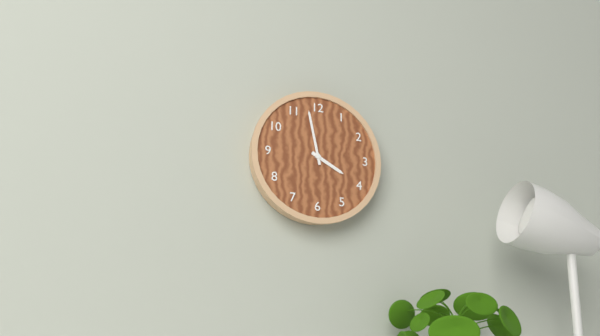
h=3 m=58
